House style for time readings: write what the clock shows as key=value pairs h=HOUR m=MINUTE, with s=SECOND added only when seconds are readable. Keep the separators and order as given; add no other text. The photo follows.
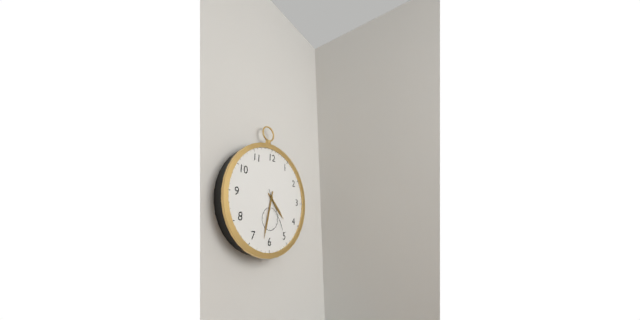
h=4 m=32
